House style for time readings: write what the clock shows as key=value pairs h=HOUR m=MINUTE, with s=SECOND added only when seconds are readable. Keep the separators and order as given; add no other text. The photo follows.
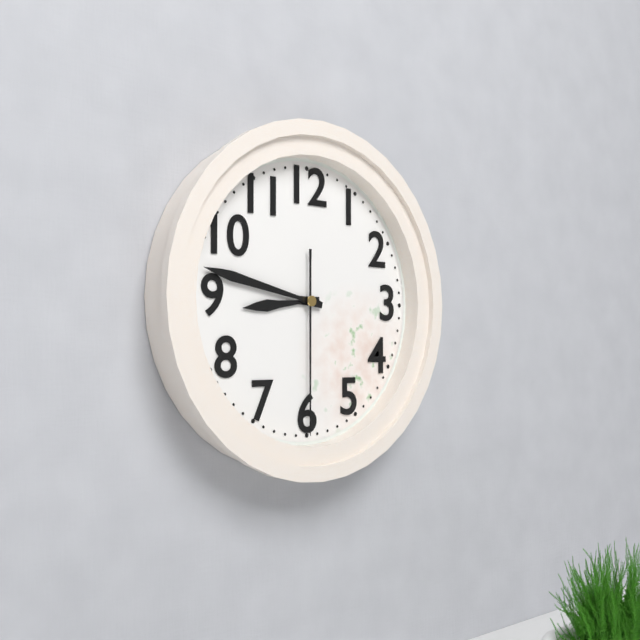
h=8 m=47 s=30
